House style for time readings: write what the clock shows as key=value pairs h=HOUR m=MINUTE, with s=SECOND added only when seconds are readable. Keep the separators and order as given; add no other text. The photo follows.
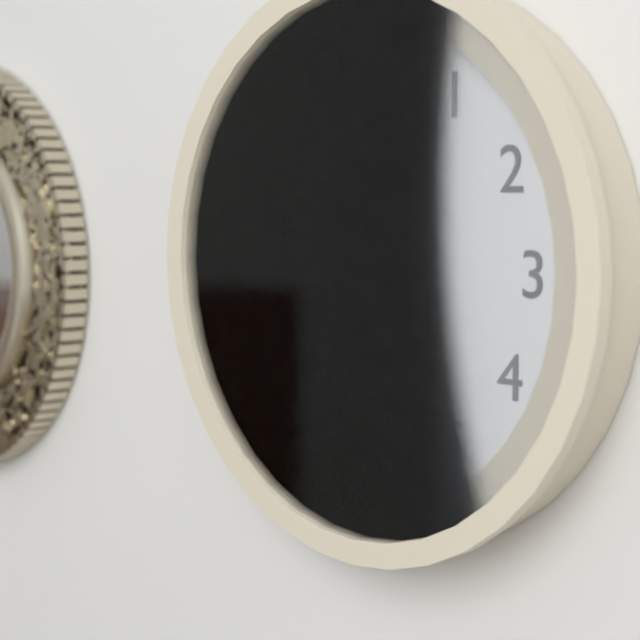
h=9 m=4 s=55
